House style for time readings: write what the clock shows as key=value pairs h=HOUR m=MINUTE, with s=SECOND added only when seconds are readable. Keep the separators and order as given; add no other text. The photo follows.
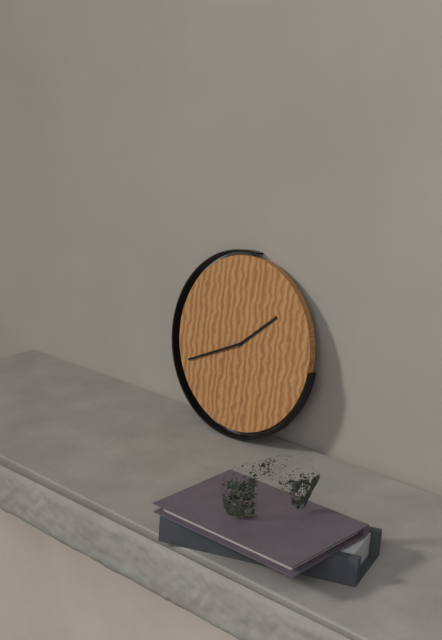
h=1 m=41
